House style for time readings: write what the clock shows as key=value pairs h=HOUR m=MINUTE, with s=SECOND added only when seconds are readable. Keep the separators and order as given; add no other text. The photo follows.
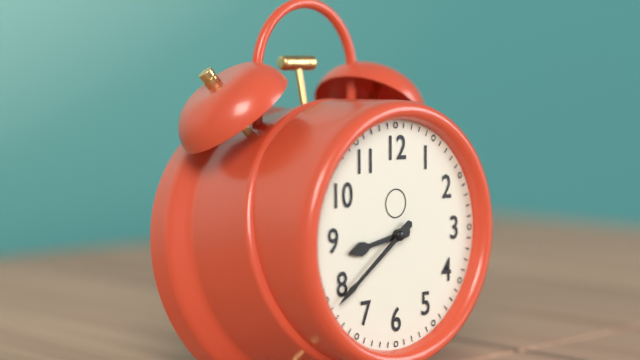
h=8 m=39
